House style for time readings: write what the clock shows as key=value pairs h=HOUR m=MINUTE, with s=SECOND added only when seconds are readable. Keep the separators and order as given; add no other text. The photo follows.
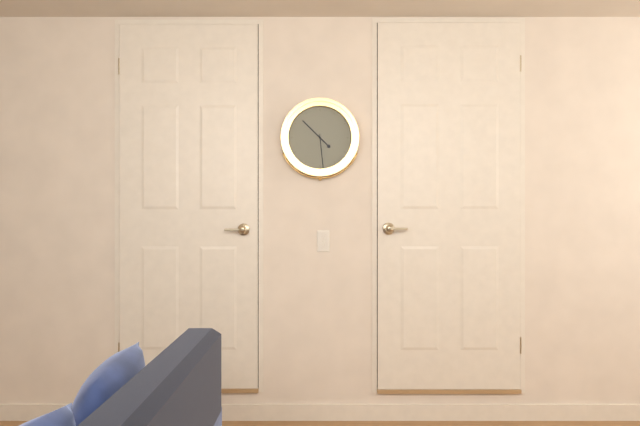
h=10 m=29
